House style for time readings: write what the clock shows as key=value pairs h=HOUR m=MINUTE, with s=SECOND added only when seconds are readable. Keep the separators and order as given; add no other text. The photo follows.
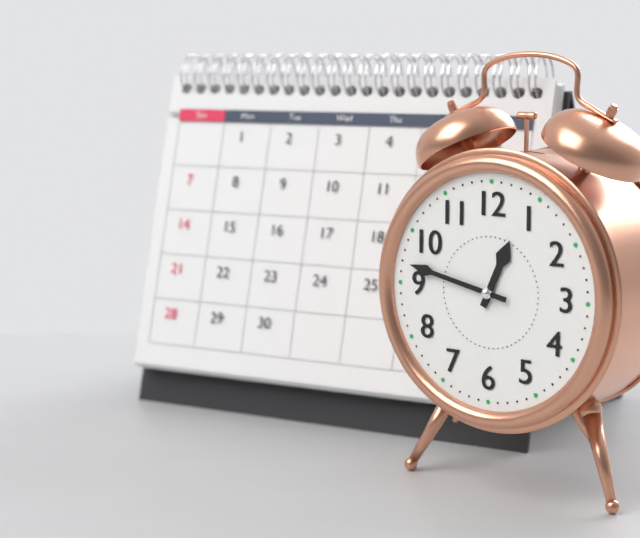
h=12 m=47
